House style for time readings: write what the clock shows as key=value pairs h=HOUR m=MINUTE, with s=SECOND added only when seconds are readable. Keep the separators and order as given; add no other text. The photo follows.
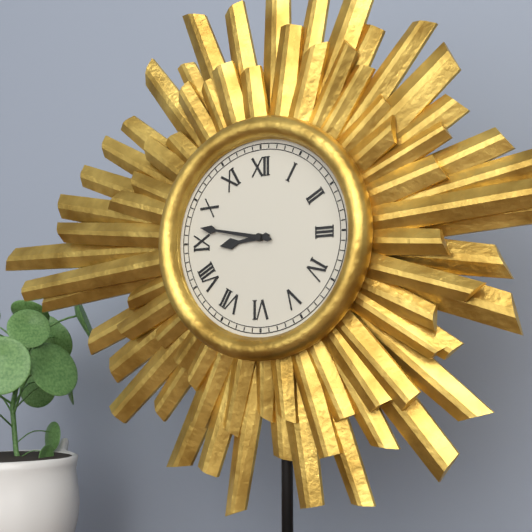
h=8 m=47
